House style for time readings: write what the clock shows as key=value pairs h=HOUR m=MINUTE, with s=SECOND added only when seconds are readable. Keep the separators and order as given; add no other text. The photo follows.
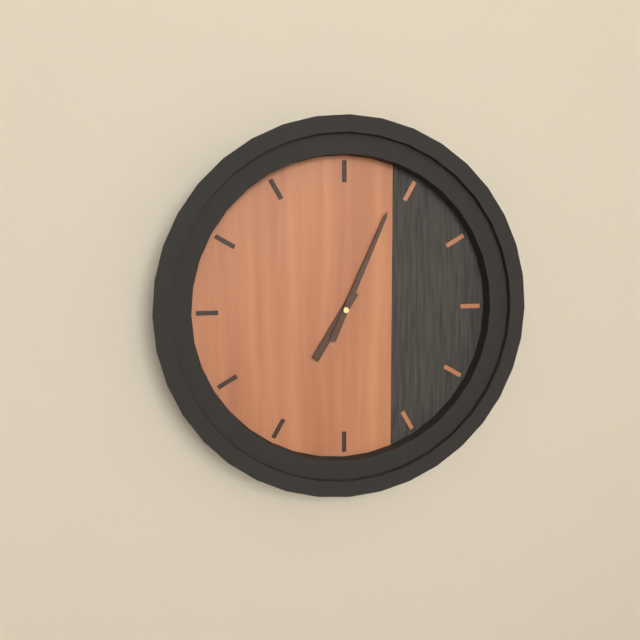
h=7 m=4
